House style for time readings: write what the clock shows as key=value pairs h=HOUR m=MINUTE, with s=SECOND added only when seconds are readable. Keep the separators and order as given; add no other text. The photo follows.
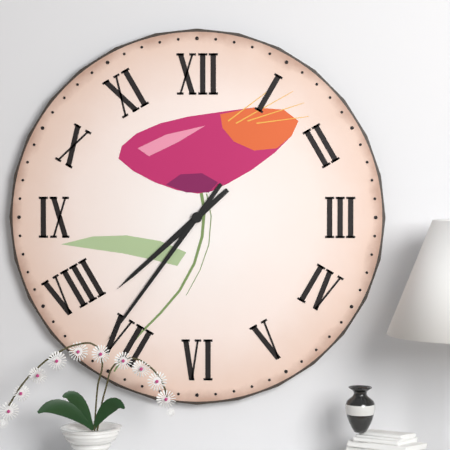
h=7 m=36
